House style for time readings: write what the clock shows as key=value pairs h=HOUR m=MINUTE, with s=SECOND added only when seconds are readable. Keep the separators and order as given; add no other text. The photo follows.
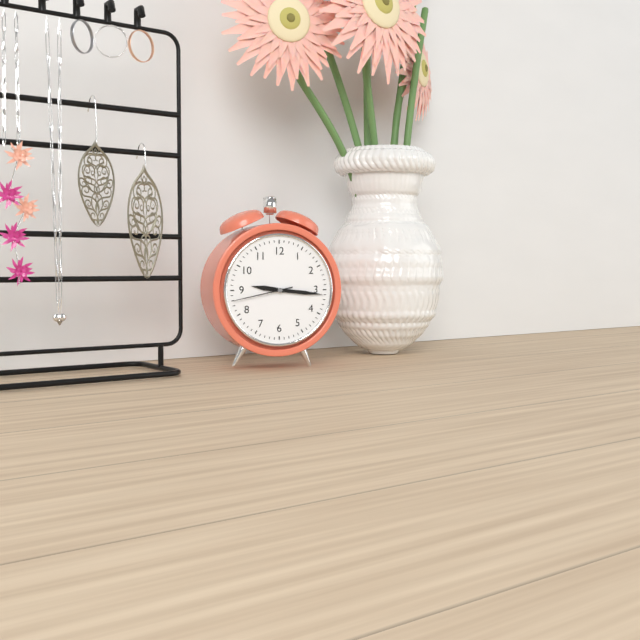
h=9 m=16 s=43
